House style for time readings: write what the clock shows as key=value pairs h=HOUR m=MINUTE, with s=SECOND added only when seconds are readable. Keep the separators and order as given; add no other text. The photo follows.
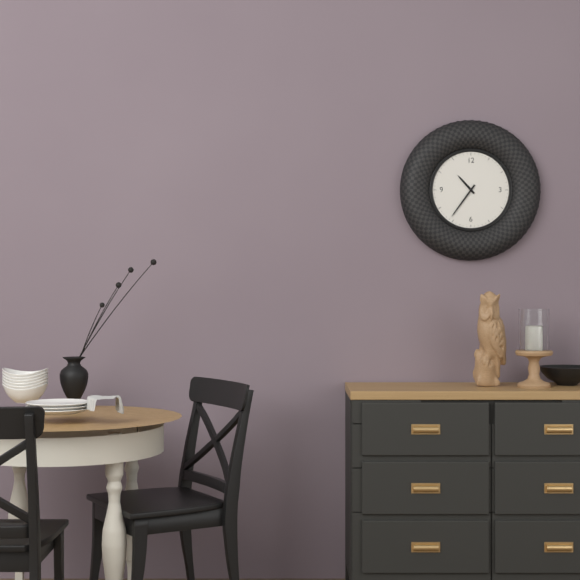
h=10 m=36
